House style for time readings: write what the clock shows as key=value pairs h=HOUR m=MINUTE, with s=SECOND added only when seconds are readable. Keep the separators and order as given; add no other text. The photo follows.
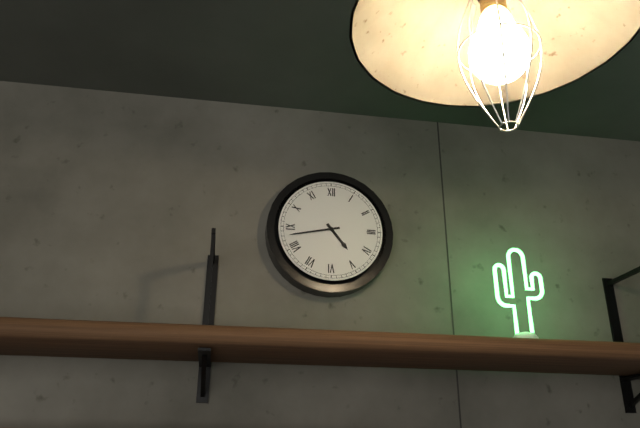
h=4 m=43
